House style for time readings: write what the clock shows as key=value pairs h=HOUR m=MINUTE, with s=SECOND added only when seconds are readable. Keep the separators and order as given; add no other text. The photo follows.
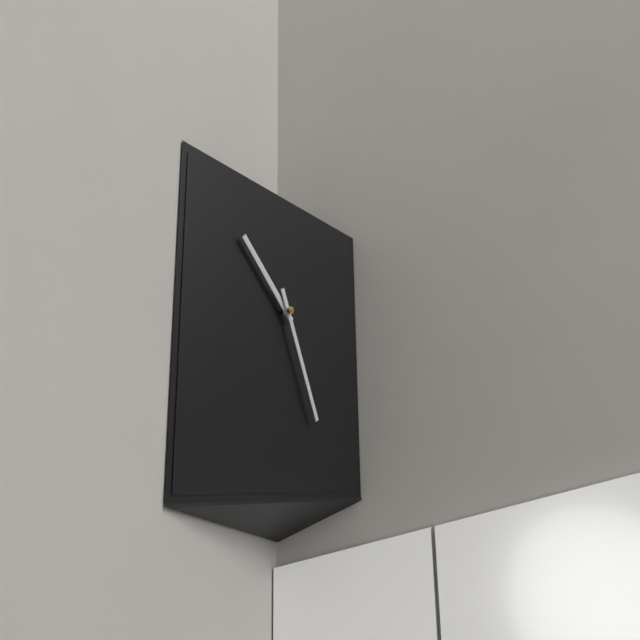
h=10 m=26
